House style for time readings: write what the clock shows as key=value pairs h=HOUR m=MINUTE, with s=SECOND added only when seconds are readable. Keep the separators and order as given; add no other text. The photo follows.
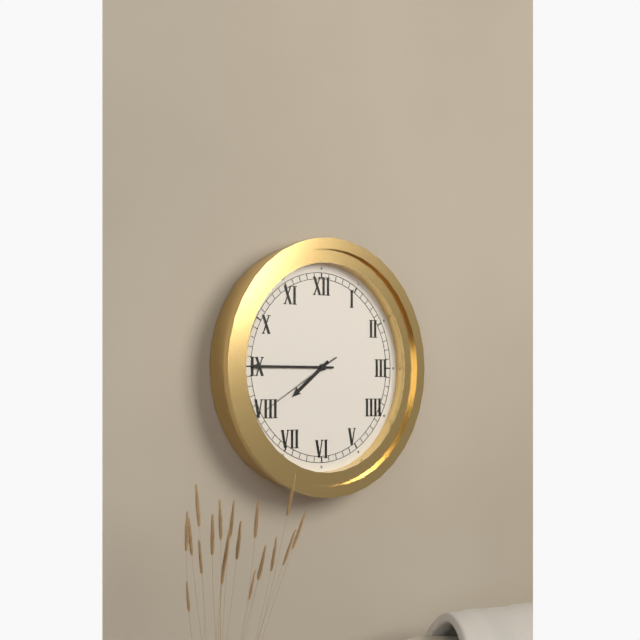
h=7 m=45 s=40
